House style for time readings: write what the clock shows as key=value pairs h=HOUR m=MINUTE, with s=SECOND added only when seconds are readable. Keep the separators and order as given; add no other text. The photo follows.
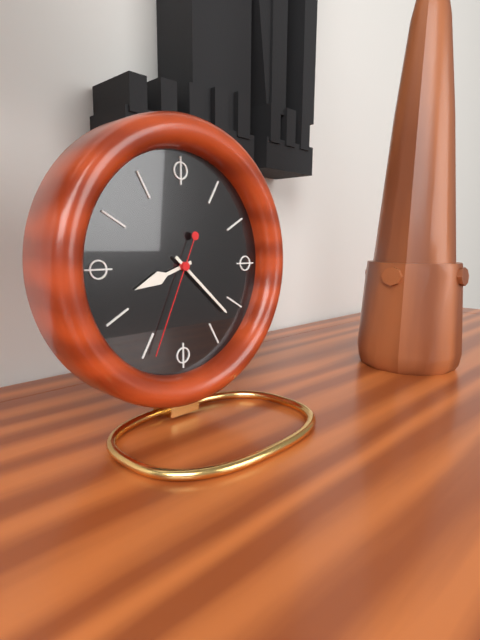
h=8 m=22 s=34
